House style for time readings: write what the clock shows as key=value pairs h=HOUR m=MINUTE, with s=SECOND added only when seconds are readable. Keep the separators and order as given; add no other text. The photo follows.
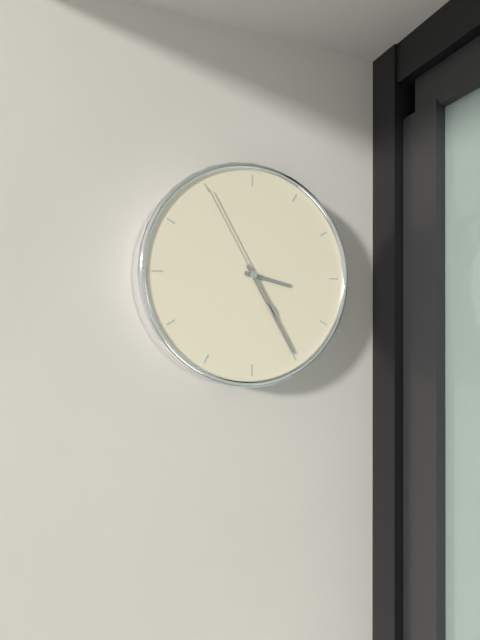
h=3 m=25 s=55
